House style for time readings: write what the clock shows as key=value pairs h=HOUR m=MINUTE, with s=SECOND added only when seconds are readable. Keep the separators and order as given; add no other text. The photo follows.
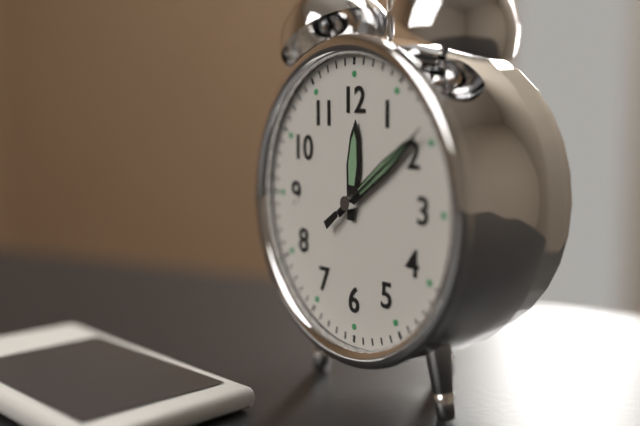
h=12 m=9 s=9
